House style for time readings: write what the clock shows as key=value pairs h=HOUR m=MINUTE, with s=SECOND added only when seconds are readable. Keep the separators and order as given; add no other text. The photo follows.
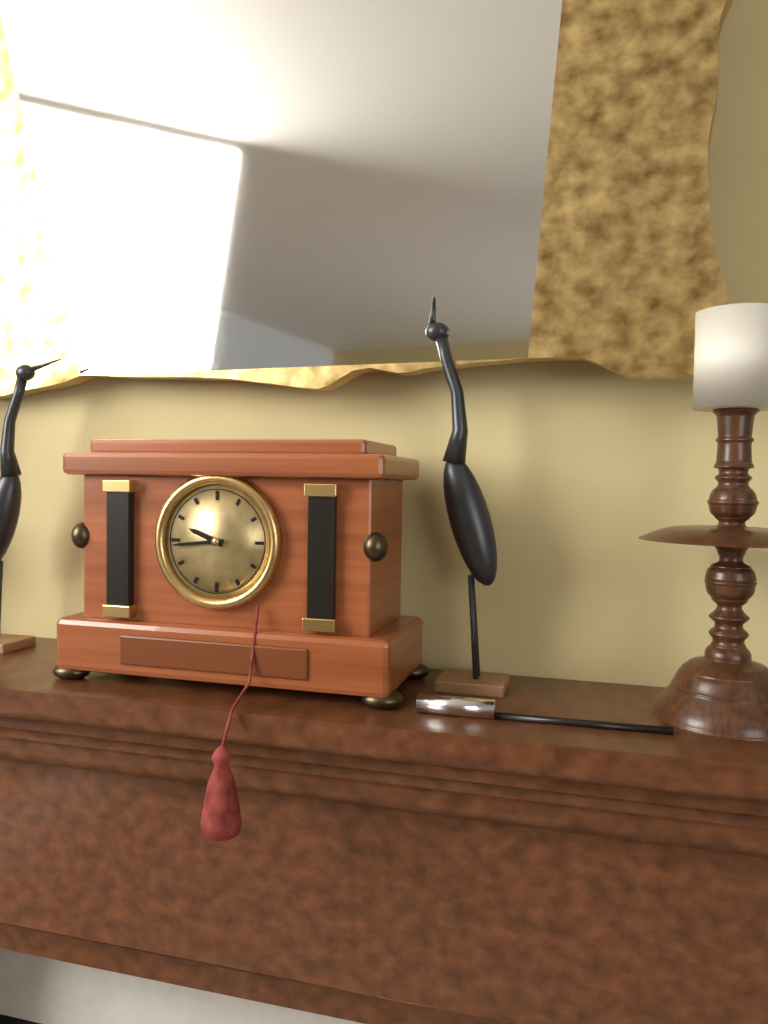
h=9 m=44
